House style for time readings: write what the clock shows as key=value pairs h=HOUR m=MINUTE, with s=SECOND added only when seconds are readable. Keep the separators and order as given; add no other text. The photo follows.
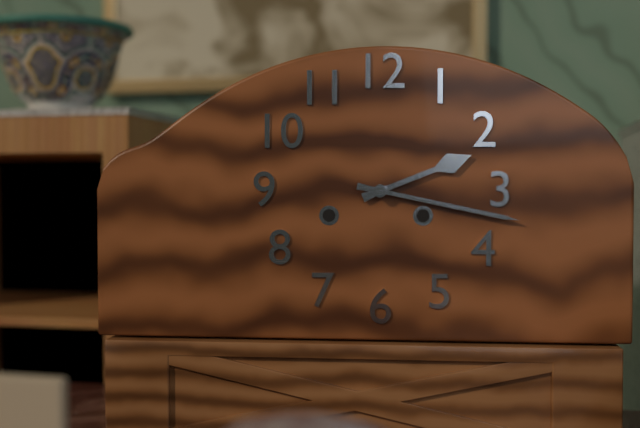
h=2 m=17
